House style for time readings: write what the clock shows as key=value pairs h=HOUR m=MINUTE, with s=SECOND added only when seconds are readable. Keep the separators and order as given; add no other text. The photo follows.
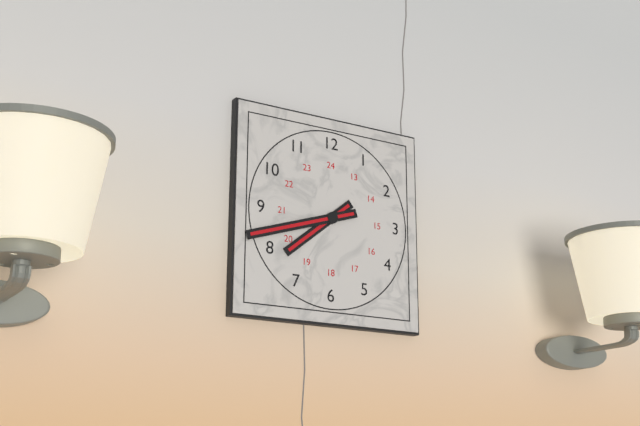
h=7 m=42
